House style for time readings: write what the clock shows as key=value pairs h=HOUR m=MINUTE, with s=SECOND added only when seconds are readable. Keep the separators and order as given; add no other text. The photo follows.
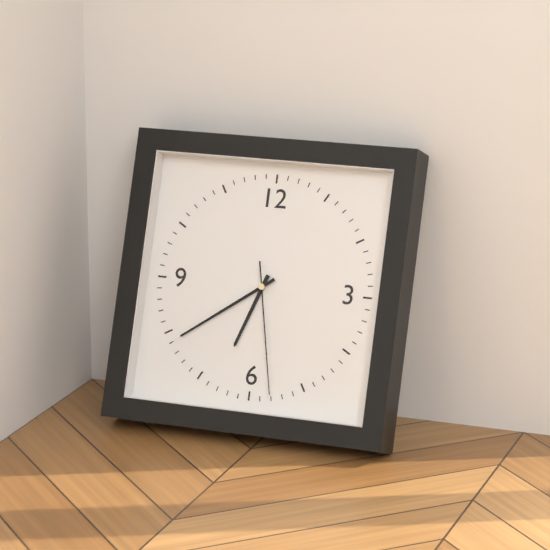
h=6 m=39 s=28
